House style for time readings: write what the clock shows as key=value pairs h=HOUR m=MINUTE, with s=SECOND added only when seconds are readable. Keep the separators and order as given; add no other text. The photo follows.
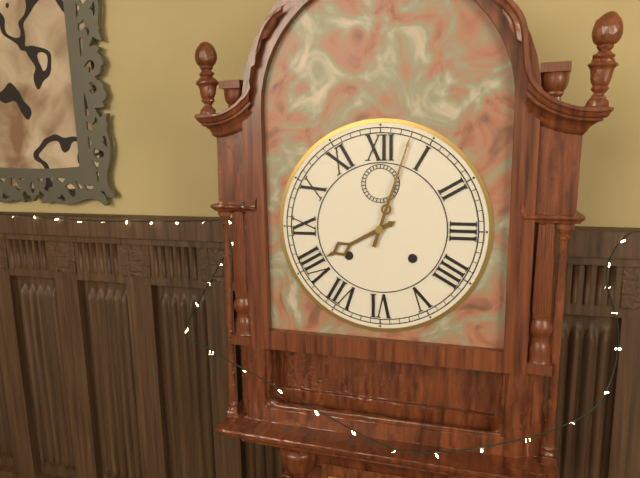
h=8 m=3
